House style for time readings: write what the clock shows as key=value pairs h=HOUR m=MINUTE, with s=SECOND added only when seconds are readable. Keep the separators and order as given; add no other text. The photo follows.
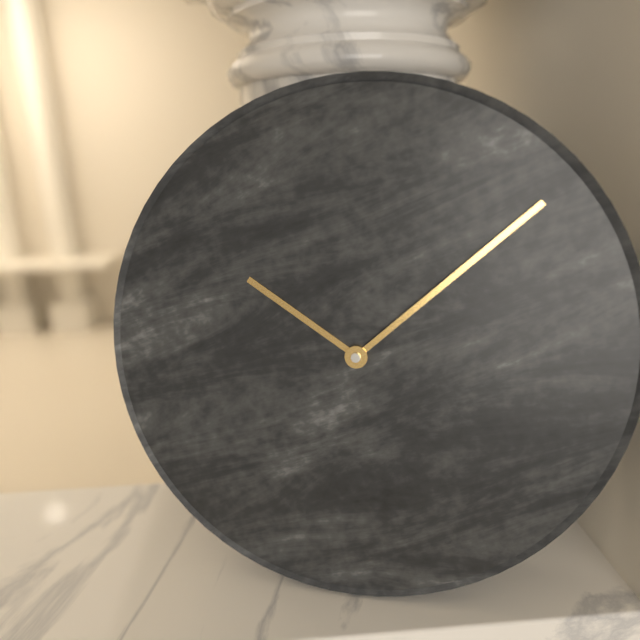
h=10 m=8
